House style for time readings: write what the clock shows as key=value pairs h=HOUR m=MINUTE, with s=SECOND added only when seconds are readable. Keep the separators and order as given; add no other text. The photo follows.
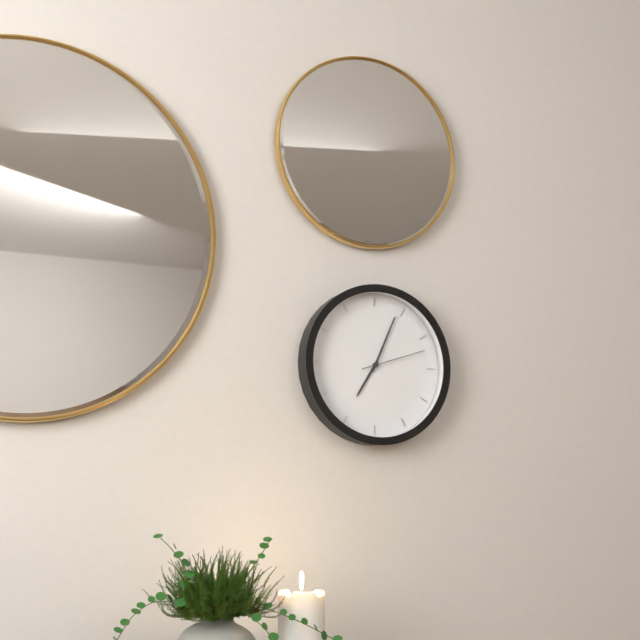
h=7 m=4 s=12
